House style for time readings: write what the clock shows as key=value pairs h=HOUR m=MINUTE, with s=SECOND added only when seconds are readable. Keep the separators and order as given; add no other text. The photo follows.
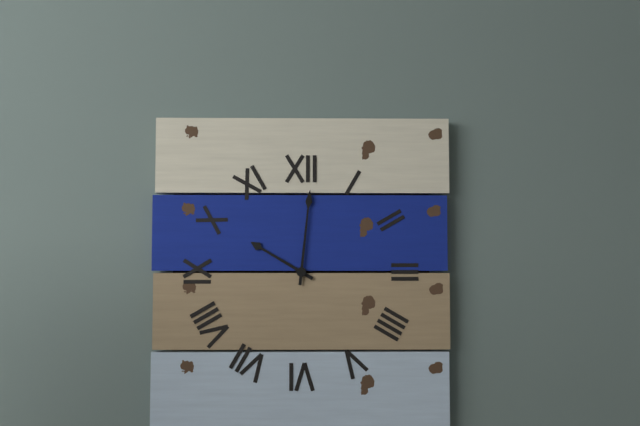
h=10 m=1
